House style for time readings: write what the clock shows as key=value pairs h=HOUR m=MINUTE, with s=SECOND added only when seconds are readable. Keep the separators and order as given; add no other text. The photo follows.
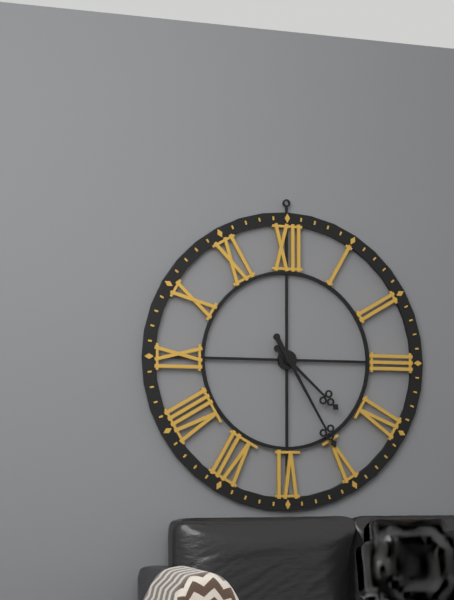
h=4 m=25
